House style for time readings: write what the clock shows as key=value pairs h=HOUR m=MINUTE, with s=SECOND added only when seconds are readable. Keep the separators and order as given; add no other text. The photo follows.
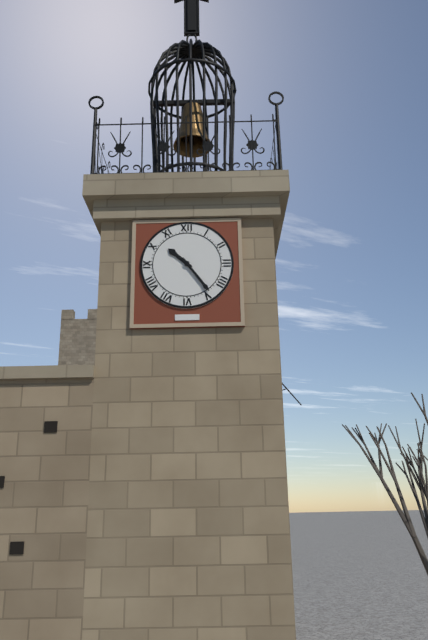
h=10 m=24
